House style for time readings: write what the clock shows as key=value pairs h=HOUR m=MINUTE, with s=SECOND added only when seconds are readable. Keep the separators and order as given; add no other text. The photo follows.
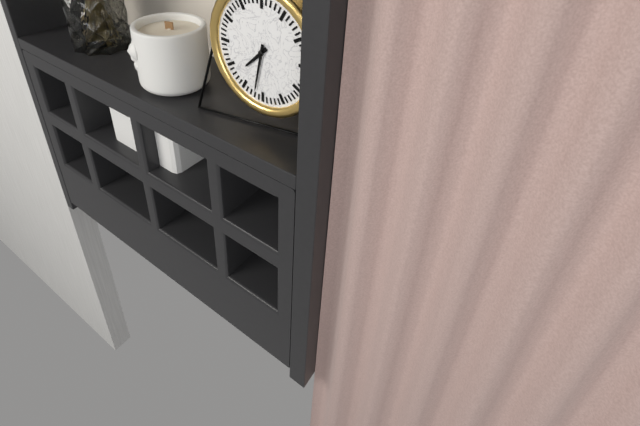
h=7 m=32
